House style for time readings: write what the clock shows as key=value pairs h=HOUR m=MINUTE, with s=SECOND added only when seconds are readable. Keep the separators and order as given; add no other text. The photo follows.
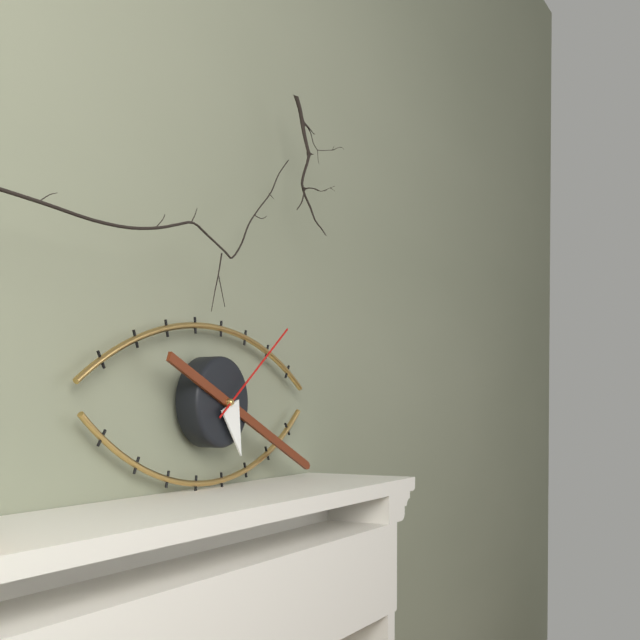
h=5 m=19 s=9
